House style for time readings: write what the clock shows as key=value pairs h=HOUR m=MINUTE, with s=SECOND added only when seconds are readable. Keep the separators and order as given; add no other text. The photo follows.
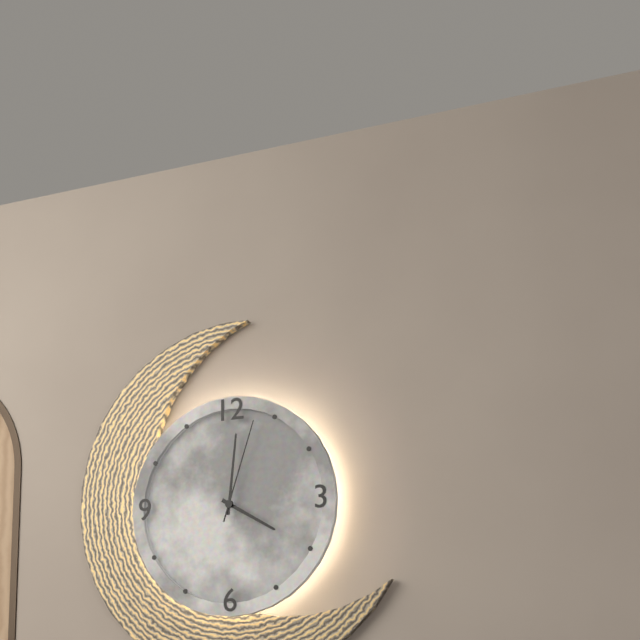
h=4 m=1 s=3
